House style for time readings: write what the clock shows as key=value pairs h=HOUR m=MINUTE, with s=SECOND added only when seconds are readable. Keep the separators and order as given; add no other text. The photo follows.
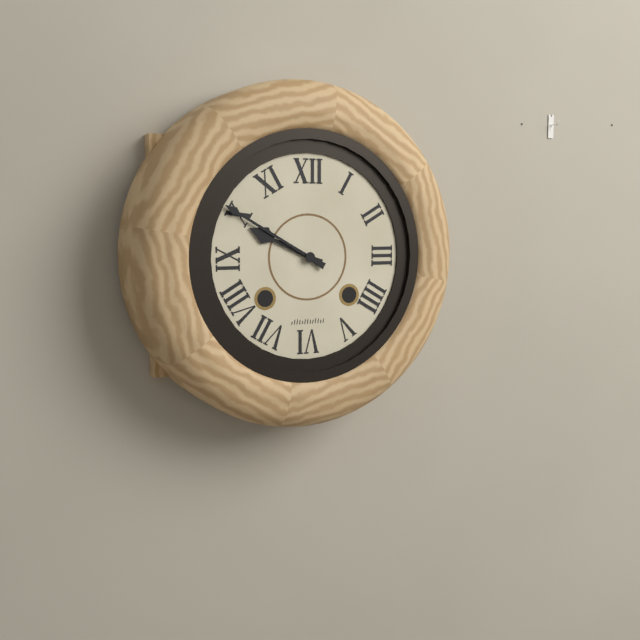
h=9 m=50
